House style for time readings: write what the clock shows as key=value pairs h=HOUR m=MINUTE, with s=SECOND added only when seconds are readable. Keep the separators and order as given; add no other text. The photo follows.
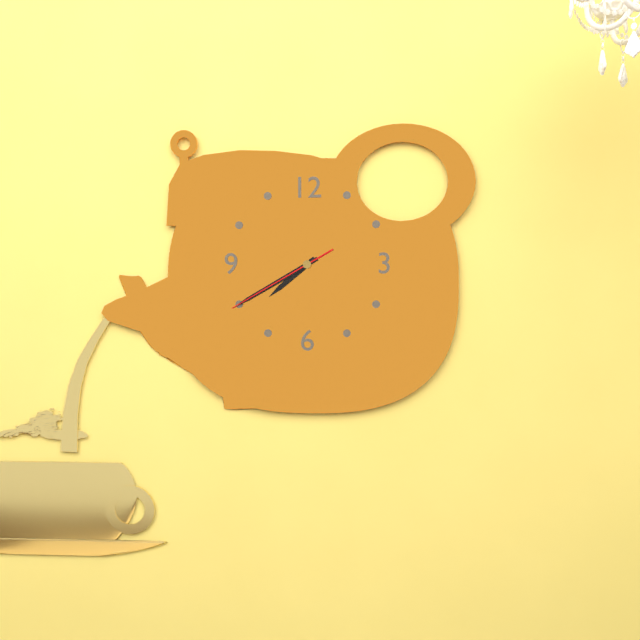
h=7 m=40 s=40
